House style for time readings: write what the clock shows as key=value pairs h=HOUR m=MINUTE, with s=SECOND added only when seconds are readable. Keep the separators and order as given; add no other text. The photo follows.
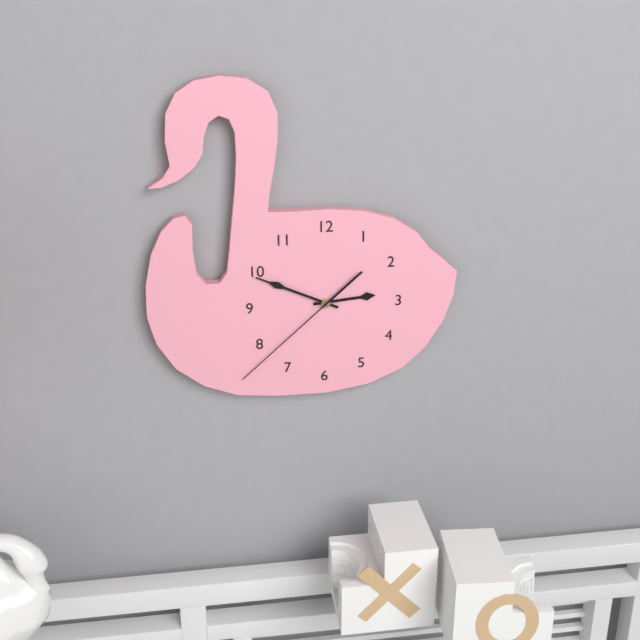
h=2 m=49 s=38
